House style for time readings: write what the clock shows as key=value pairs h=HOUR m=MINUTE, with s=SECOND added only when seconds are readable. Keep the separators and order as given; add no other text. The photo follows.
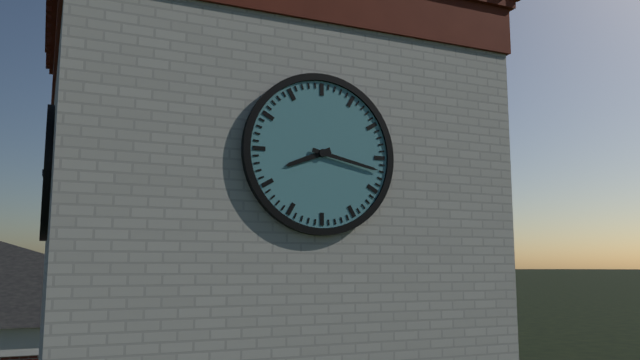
h=8 m=17
